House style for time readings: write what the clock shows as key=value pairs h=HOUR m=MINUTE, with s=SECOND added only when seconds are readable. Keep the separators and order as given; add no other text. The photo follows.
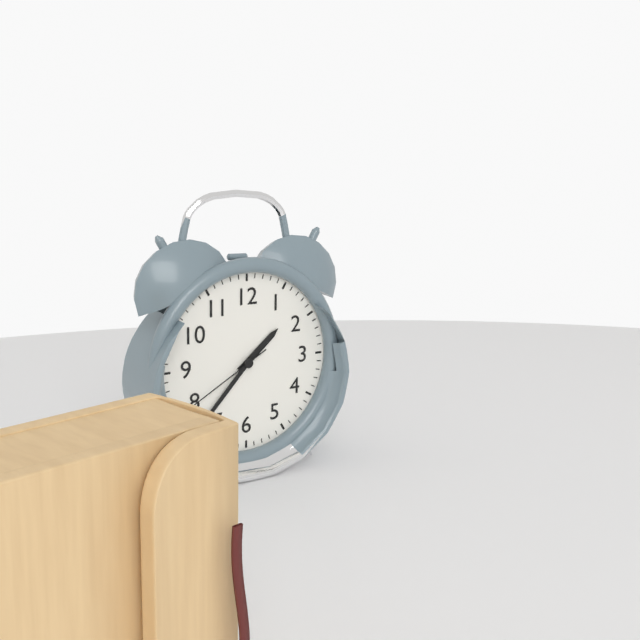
h=1 m=37 s=40
